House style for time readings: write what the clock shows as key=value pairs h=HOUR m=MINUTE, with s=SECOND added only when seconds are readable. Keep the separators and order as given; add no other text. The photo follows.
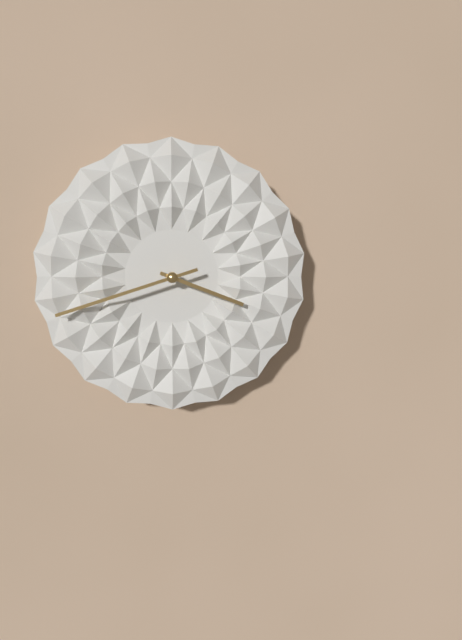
h=3 m=42
